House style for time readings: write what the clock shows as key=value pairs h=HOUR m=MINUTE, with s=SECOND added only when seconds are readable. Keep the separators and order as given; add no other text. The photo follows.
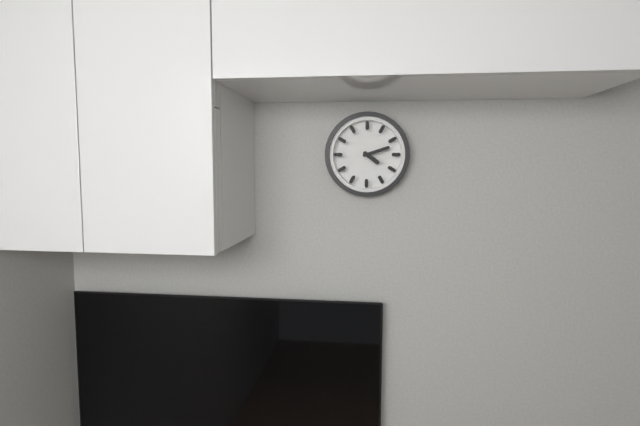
h=4 m=12
